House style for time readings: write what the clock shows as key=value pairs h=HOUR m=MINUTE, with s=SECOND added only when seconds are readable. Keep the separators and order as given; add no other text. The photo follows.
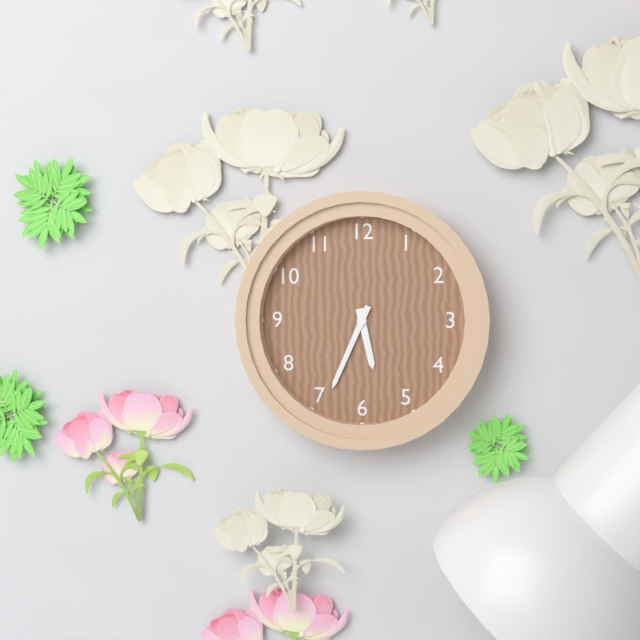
h=5 m=34
